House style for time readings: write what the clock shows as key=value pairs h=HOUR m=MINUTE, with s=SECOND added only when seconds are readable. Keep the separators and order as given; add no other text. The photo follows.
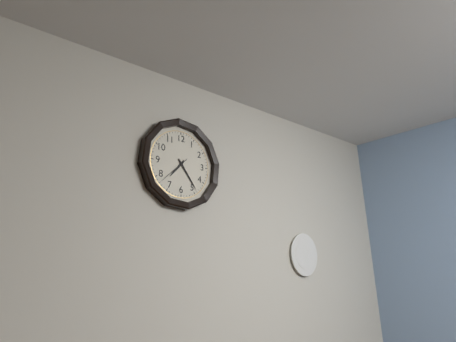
h=7 m=24
